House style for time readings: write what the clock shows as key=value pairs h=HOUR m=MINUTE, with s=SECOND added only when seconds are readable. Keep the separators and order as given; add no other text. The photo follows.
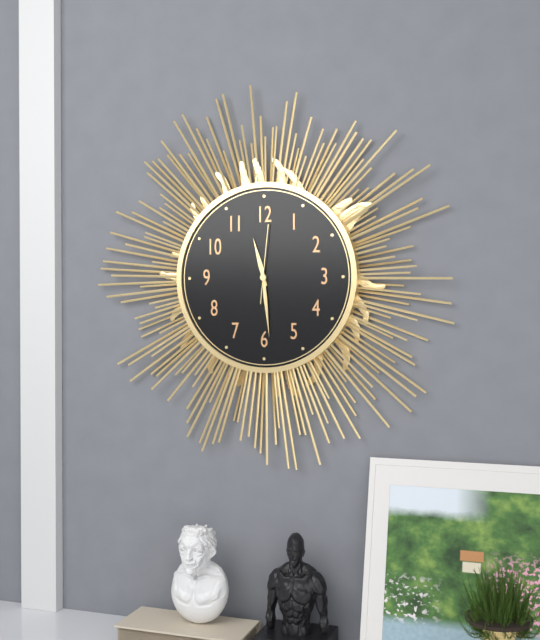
h=11 m=29 s=1
